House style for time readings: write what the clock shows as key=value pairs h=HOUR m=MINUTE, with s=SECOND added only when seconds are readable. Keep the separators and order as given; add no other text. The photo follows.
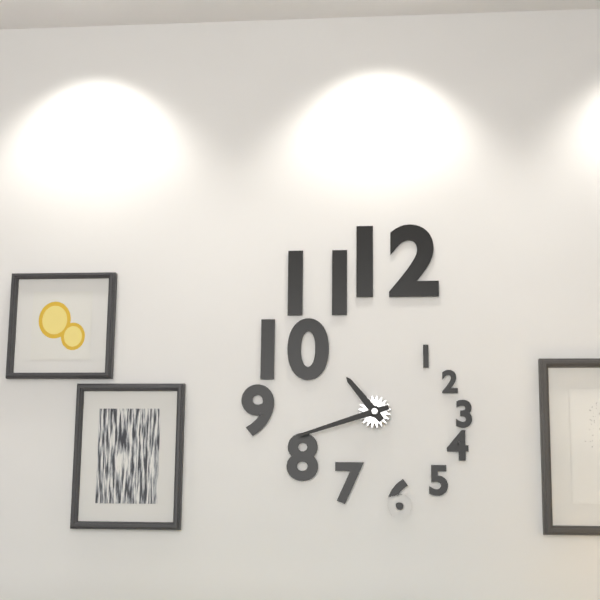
h=10 m=42
